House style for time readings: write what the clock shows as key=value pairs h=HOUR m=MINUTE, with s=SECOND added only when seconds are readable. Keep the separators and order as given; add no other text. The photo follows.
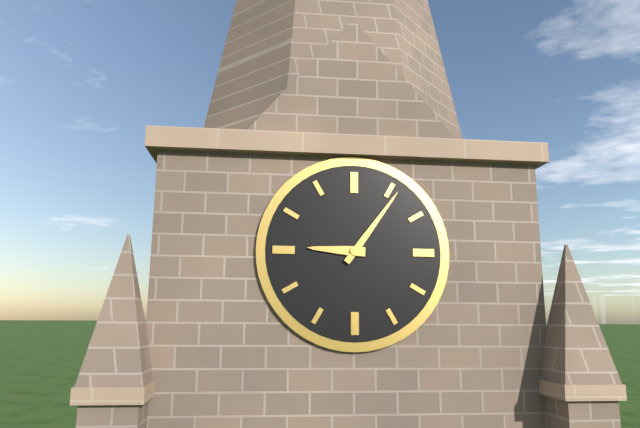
h=9 m=6
